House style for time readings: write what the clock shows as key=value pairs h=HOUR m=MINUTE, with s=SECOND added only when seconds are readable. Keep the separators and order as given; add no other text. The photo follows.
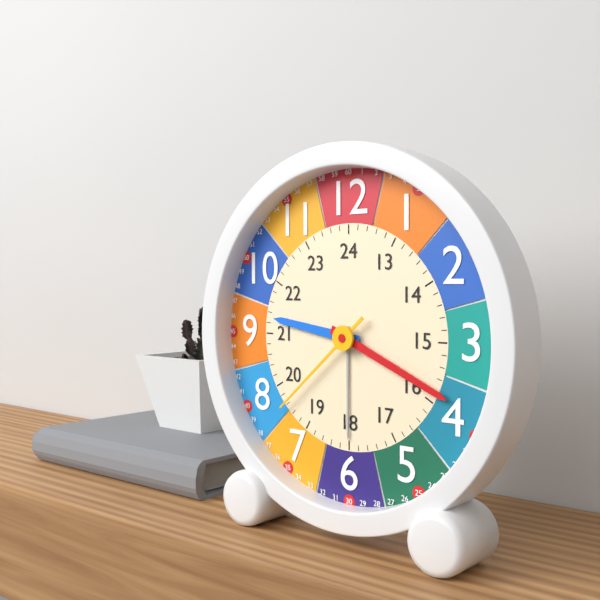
h=9 m=19 s=38
